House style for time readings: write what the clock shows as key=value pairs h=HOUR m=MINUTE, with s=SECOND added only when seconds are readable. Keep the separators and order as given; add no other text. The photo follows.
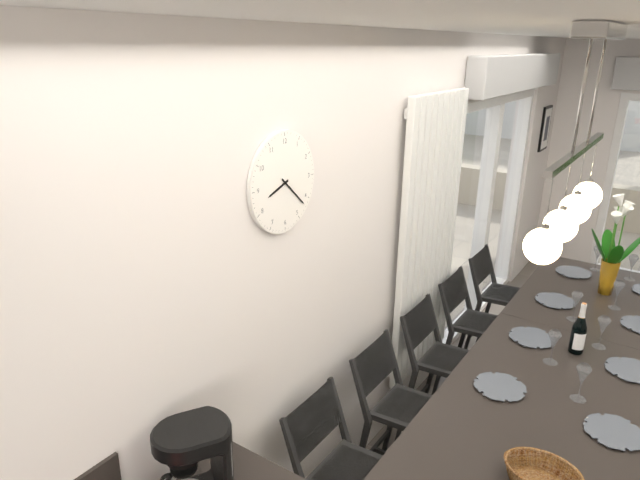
h=8 m=22
